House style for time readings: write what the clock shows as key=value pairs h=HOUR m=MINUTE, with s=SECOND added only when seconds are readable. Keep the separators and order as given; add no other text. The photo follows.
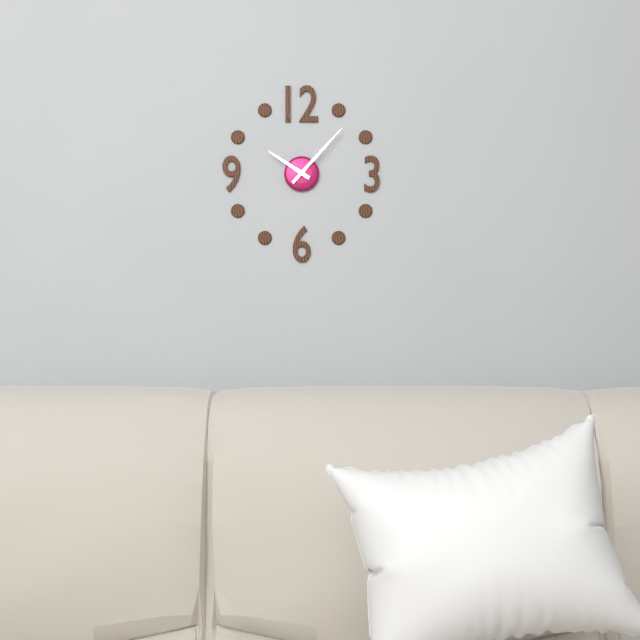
h=10 m=7
